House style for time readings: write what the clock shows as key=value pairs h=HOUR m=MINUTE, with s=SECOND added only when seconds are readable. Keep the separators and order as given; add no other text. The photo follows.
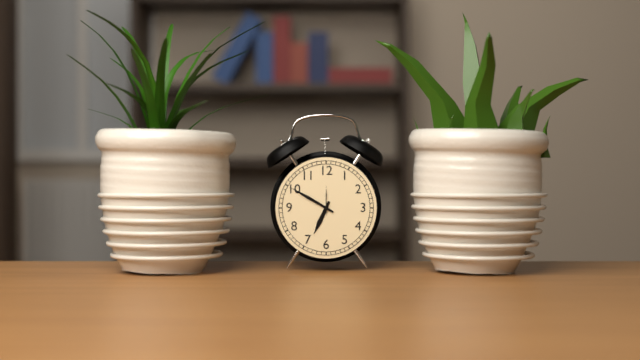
h=6 m=50
